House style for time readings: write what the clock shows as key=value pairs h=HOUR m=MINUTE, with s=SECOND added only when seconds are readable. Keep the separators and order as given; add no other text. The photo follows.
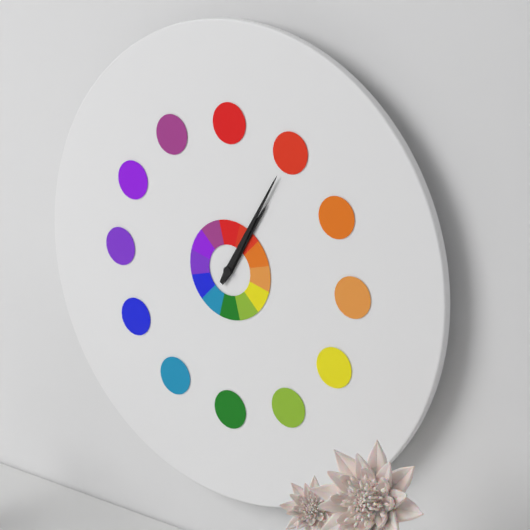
h=1 m=5
